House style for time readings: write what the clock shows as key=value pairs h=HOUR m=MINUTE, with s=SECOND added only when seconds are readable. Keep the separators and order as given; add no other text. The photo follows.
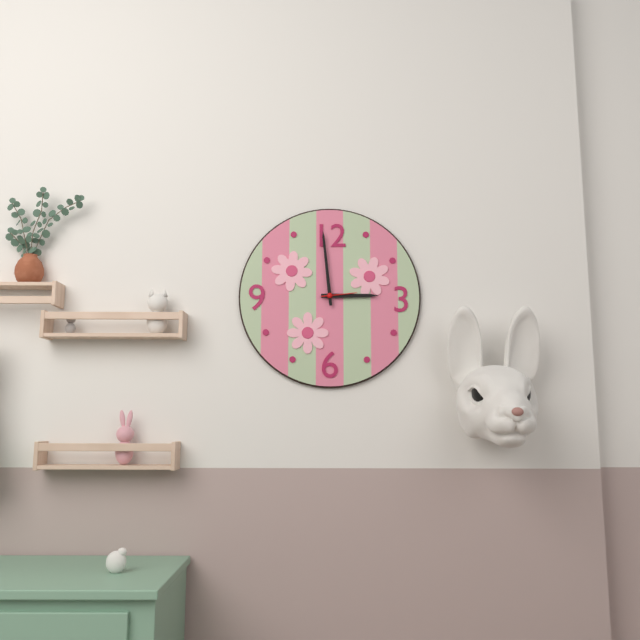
h=2 m=59
